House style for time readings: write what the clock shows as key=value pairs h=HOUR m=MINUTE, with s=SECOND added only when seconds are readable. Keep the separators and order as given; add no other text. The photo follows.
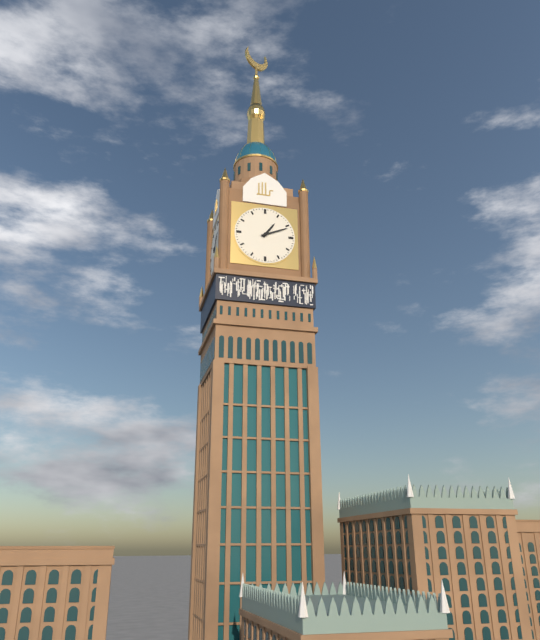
h=1 m=11
